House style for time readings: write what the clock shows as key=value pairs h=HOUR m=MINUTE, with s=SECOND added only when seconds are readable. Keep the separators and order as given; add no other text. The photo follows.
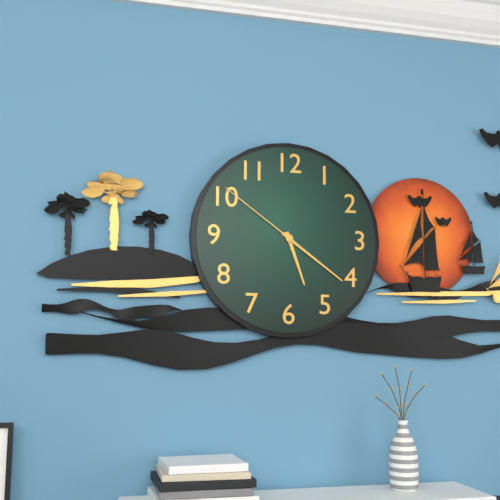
h=5 m=21 s=51
